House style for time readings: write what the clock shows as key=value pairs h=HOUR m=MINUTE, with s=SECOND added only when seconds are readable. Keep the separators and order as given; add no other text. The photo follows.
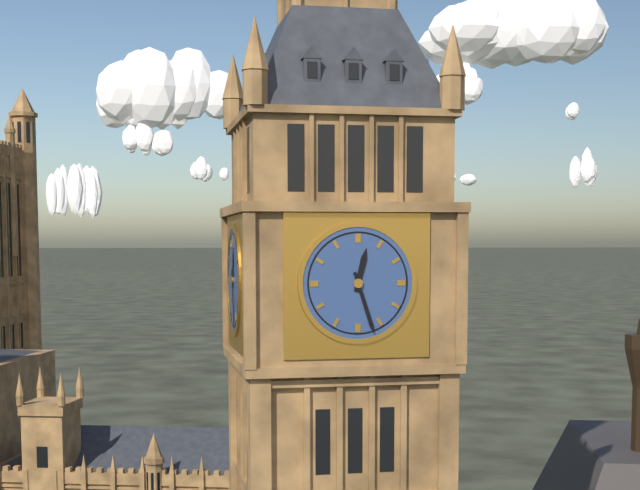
h=12 m=27
